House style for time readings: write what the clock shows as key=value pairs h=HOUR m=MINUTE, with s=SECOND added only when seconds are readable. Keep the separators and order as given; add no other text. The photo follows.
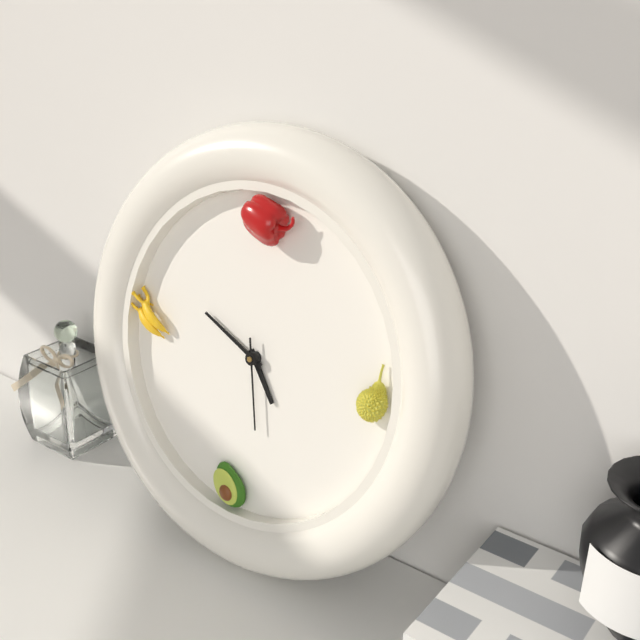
h=4 m=49 s=28
